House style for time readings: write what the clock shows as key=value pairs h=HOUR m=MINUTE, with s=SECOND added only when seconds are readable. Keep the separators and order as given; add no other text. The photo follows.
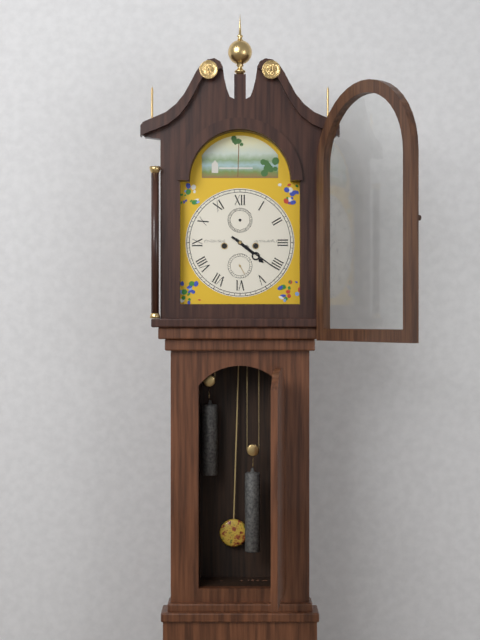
h=4 m=21
